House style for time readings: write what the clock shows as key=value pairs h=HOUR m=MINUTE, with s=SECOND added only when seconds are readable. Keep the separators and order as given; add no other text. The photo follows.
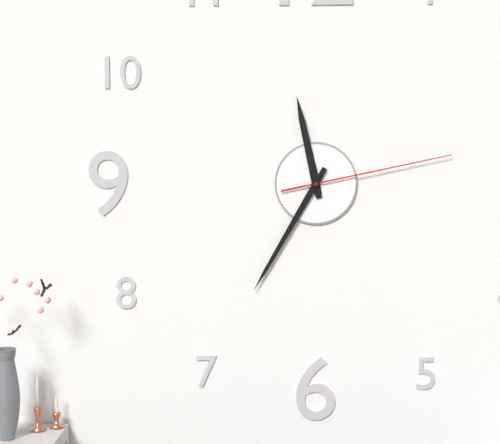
h=11 m=35 s=13
